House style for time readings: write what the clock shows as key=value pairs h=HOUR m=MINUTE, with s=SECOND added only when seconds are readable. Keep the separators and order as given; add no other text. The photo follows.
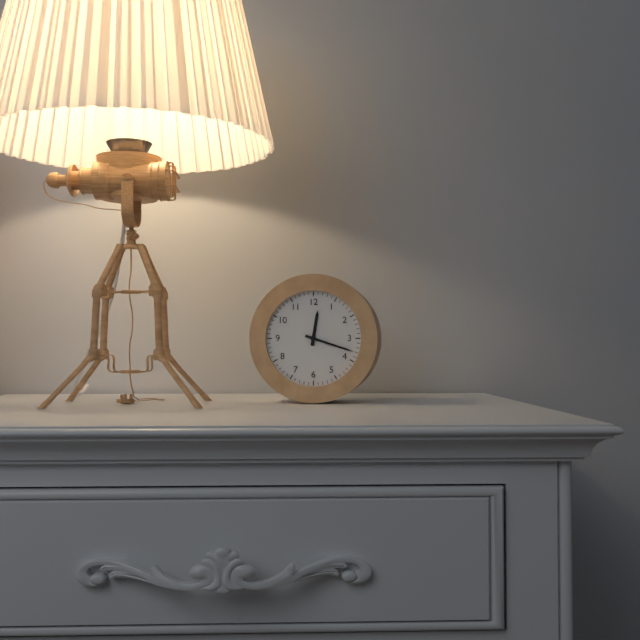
h=12 m=18
